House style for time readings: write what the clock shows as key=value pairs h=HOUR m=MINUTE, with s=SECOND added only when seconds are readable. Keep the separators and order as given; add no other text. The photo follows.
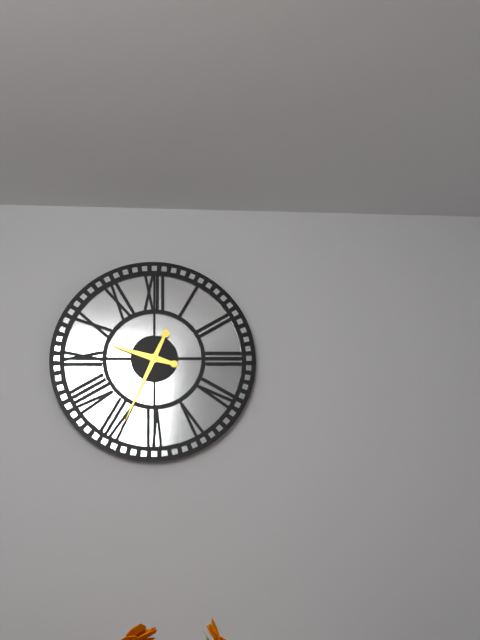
h=9 m=34
